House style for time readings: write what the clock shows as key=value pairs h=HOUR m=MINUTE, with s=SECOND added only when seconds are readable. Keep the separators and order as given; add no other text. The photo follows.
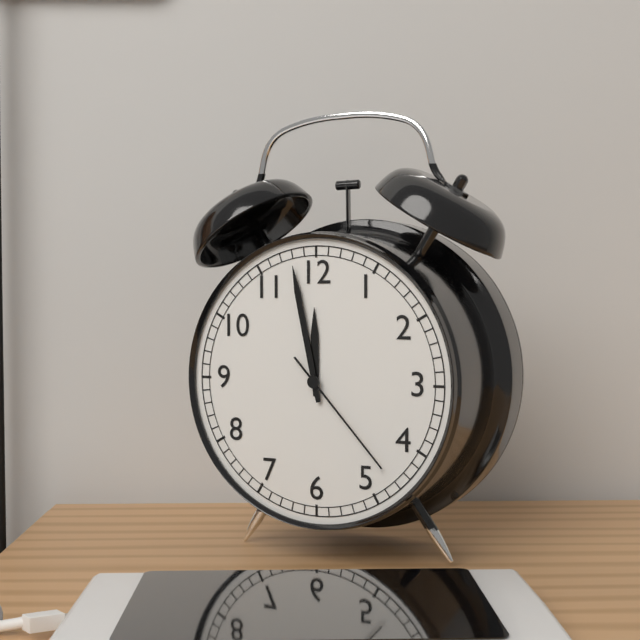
h=11 m=58 s=23
